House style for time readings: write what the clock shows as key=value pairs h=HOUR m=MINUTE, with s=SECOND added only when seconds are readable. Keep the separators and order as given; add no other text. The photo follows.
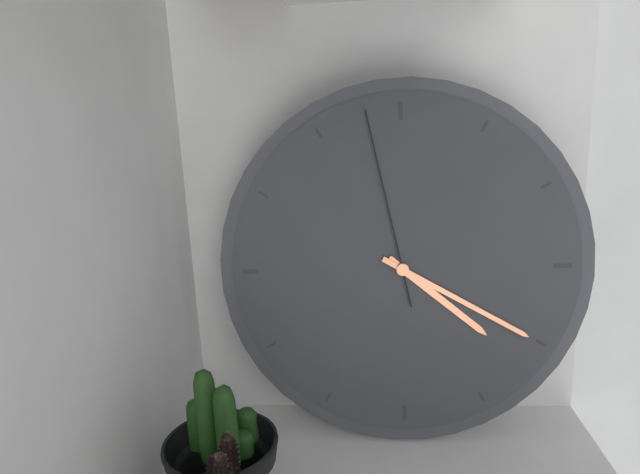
h=4 m=20 s=58
